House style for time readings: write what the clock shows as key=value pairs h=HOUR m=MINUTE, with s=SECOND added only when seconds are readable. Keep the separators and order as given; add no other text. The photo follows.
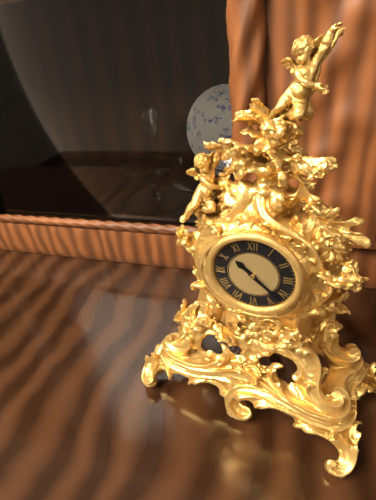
h=10 m=22
